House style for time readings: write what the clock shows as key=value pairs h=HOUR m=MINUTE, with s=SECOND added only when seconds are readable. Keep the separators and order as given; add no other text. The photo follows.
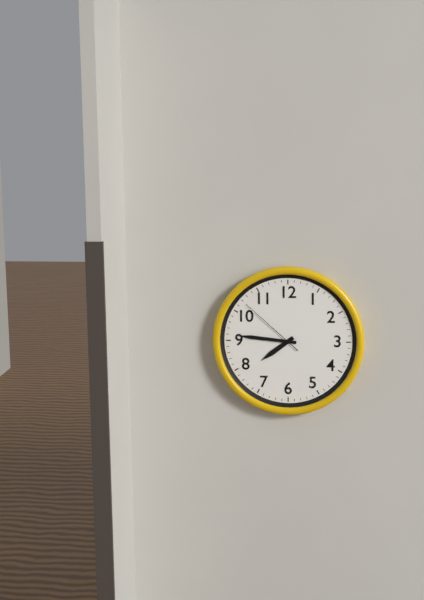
h=7 m=46 s=52
